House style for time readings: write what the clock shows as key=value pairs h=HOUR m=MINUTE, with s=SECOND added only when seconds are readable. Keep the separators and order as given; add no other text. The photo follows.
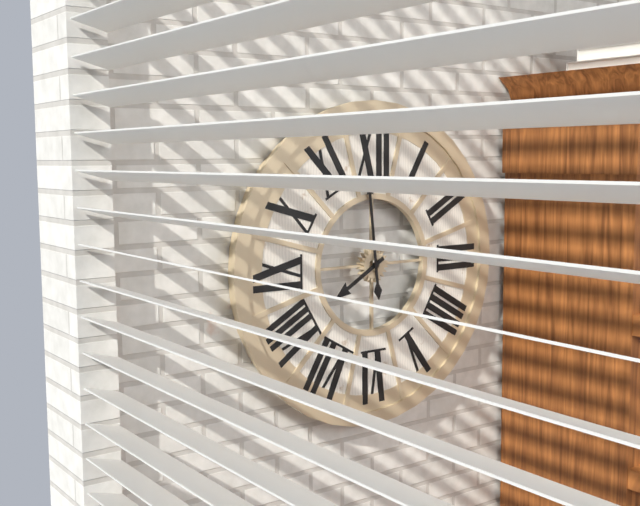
h=7 m=59
